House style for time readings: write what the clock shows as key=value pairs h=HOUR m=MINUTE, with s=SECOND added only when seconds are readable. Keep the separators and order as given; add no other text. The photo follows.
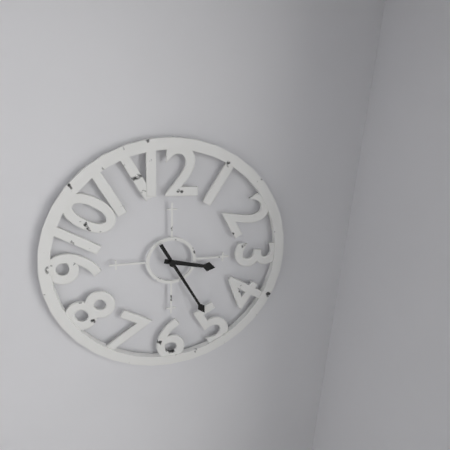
h=3 m=25
